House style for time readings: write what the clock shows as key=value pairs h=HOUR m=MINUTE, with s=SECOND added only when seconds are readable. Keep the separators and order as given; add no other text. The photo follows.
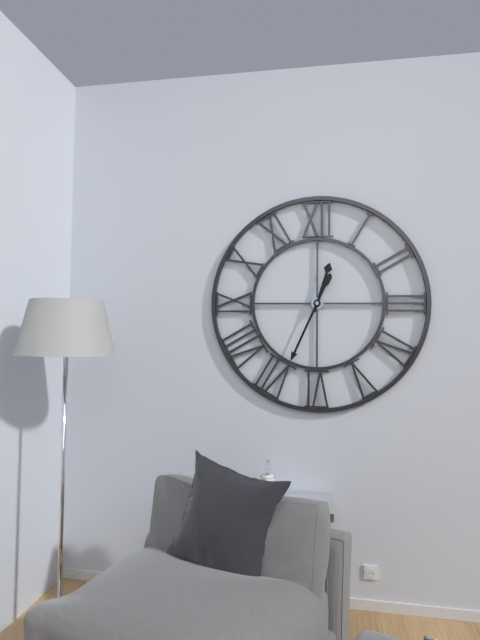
h=12 m=34
